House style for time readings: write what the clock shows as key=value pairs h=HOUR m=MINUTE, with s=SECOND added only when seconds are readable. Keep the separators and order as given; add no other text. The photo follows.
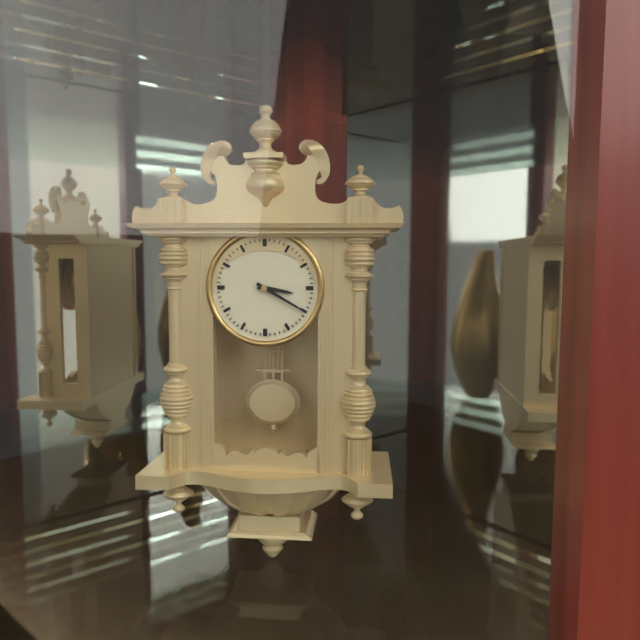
h=3 m=20
